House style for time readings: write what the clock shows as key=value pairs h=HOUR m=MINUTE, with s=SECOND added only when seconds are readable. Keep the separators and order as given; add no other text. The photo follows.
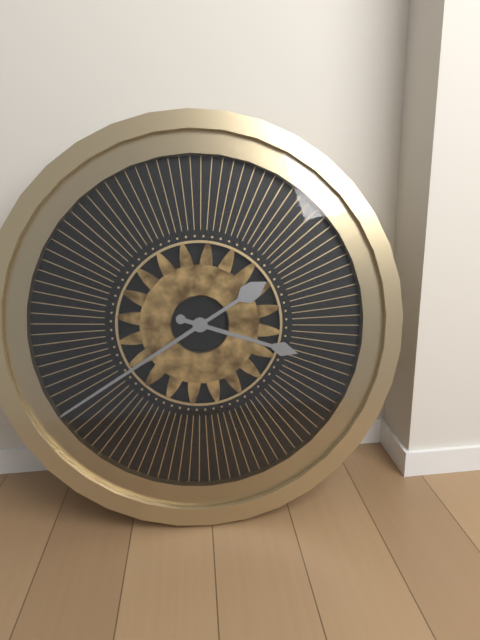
h=3 m=40
